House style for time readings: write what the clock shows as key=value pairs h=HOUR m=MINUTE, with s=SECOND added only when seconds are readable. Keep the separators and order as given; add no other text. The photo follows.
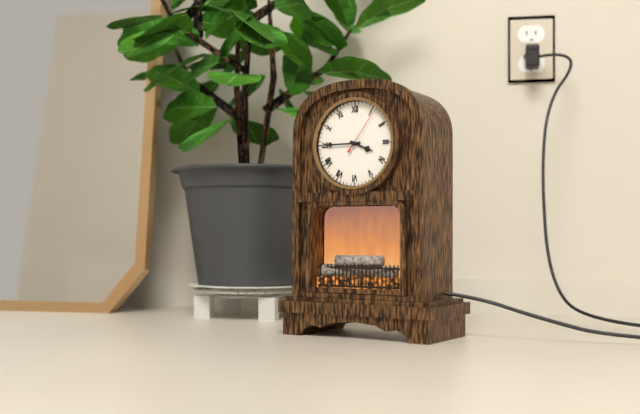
h=3 m=45
